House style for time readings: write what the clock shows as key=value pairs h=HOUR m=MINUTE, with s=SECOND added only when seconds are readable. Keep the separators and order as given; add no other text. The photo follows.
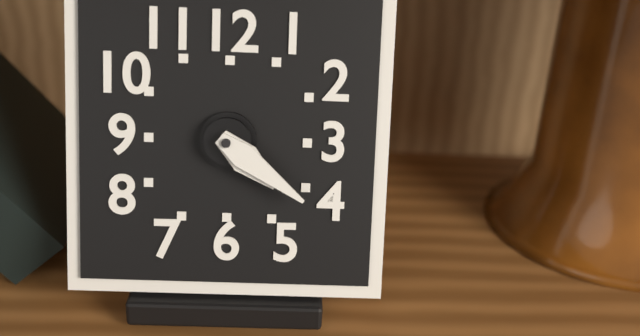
h=4 m=21
